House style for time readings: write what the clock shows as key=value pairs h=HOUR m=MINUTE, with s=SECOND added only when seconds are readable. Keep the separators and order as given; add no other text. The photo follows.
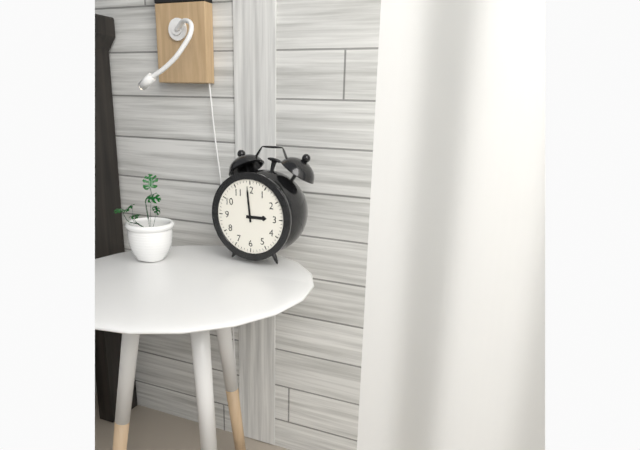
h=2 m=59
